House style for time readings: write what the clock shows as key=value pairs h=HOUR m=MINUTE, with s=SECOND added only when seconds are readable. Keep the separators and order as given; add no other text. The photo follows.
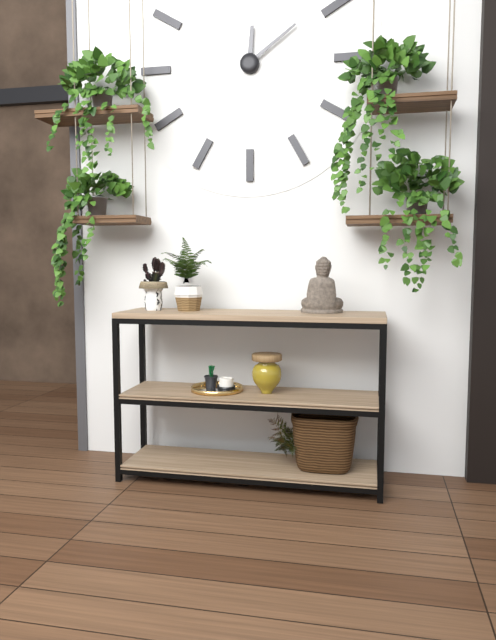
h=12 m=9
